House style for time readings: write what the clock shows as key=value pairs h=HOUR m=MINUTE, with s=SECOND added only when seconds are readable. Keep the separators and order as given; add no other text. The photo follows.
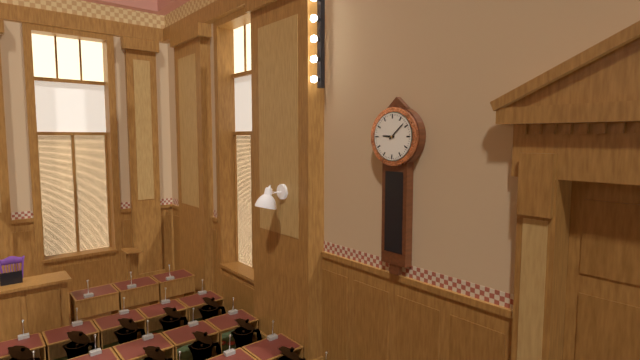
h=9 m=8
